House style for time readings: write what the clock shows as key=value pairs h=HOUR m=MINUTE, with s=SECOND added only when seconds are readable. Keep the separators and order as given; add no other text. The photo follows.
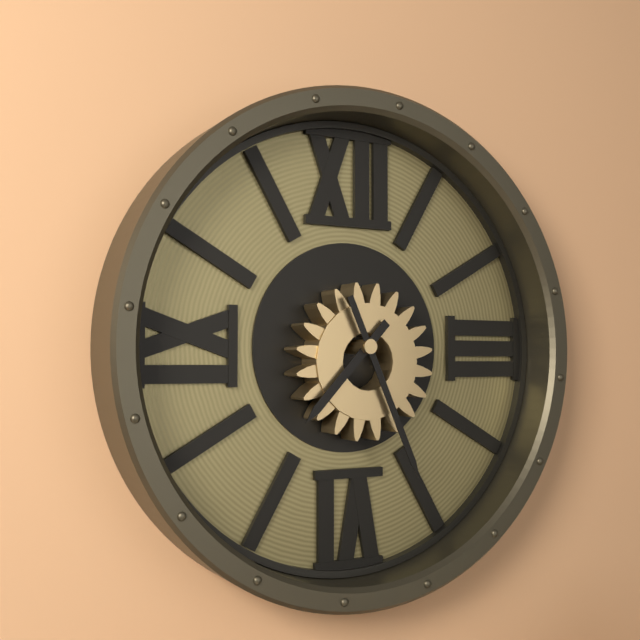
h=7 m=26
